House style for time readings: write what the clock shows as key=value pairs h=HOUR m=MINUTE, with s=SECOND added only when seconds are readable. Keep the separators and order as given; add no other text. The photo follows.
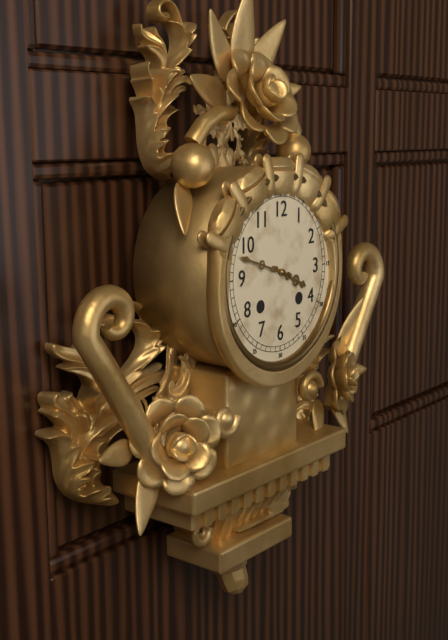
h=3 m=48
